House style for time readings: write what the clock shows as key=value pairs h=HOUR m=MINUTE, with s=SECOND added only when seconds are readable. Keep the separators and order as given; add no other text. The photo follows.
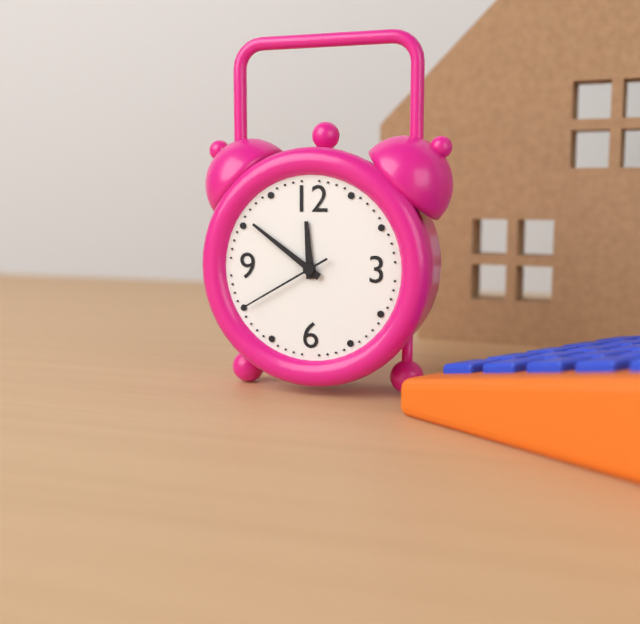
h=11 m=51 s=40
